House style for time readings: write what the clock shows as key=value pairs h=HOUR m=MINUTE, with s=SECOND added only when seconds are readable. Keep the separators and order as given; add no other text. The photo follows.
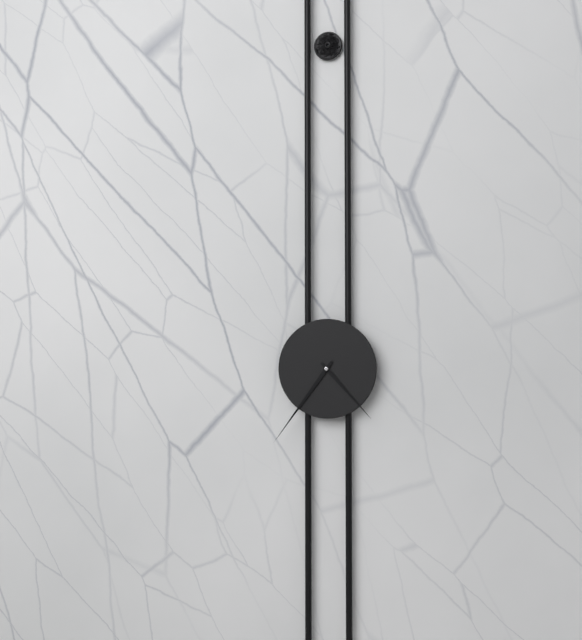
h=4 m=36
